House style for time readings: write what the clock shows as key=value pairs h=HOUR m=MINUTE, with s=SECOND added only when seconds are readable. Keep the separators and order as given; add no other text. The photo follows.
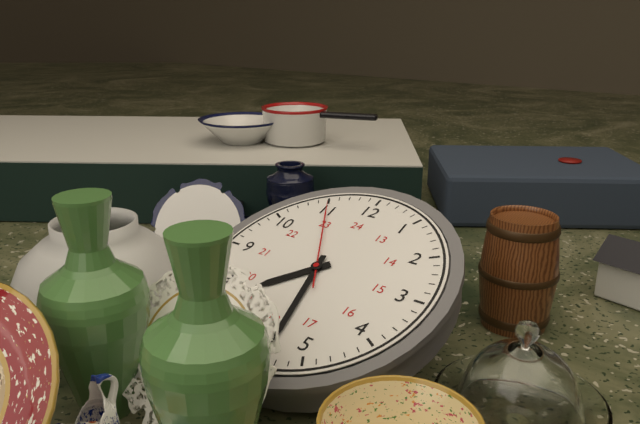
h=7 m=28 s=55
